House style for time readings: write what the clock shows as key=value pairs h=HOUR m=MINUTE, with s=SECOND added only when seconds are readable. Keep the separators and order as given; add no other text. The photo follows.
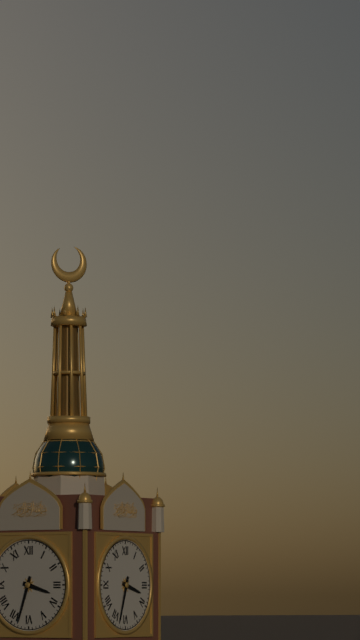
h=3 m=33
